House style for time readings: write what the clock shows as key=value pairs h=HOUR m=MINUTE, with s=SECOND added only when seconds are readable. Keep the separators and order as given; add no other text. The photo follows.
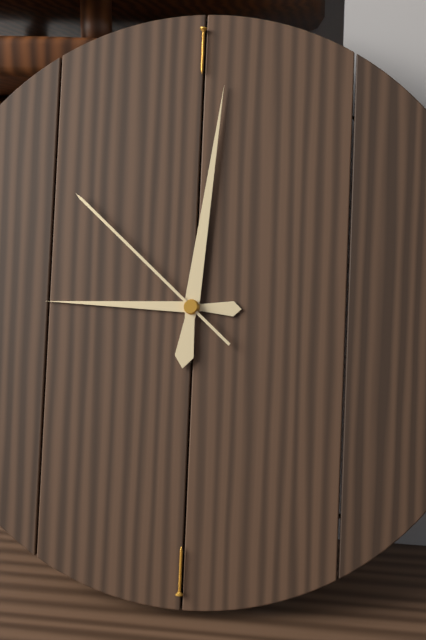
h=9 m=1 s=52
